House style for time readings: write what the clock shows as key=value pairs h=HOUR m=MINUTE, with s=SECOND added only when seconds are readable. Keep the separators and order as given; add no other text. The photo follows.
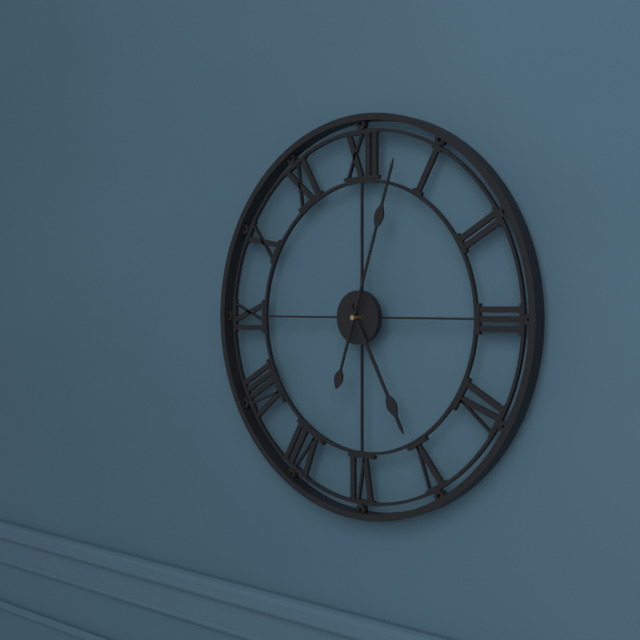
h=5 m=3
